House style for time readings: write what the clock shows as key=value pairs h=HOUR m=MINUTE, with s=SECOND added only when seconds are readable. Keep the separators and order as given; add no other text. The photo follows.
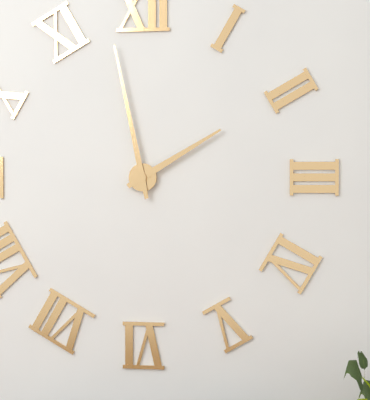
h=1 m=58
